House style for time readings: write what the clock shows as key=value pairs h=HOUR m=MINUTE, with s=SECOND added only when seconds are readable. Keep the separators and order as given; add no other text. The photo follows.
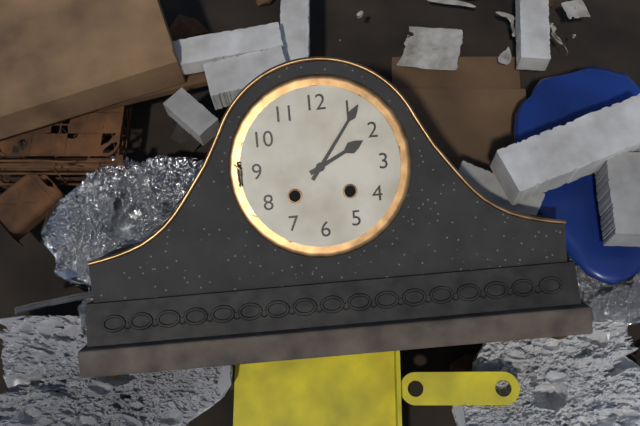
h=2 m=6
